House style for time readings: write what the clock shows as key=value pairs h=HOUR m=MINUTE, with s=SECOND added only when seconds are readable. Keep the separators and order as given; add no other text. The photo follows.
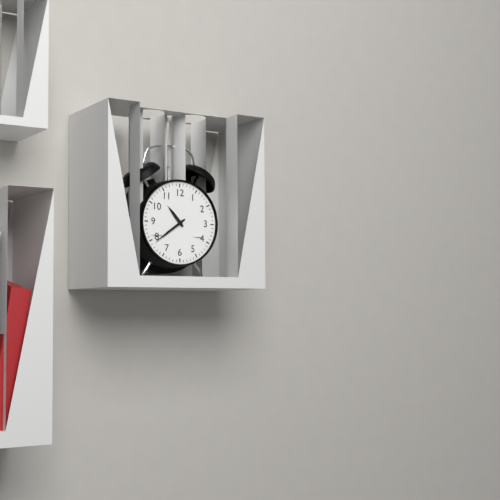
h=10 m=39
